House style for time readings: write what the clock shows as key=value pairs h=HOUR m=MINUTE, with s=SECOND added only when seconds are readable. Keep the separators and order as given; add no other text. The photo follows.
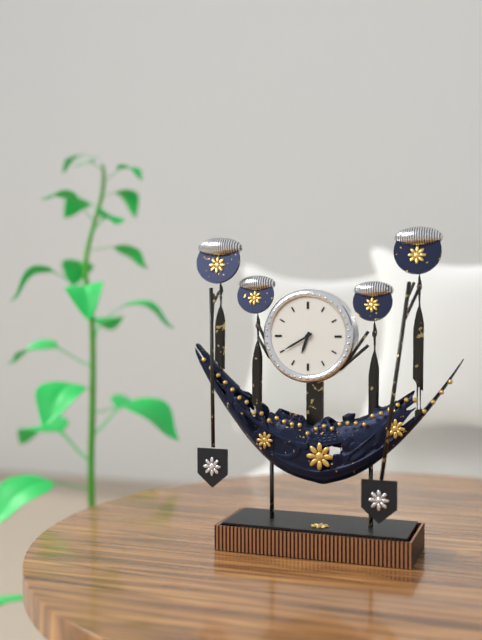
h=6 m=40
